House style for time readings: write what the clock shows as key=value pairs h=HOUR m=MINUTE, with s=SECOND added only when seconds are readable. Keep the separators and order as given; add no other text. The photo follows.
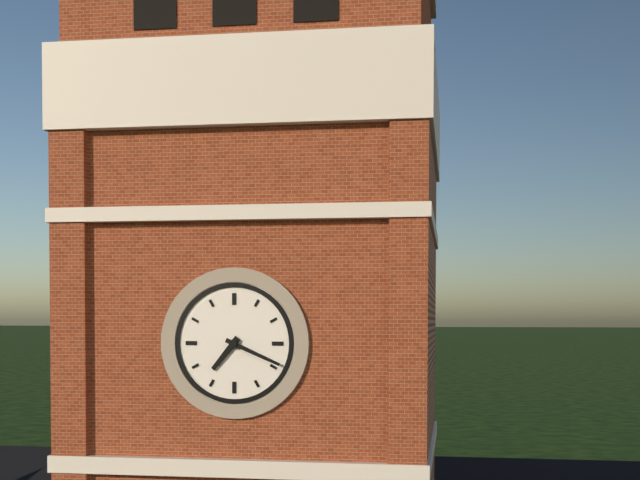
h=7 m=19
